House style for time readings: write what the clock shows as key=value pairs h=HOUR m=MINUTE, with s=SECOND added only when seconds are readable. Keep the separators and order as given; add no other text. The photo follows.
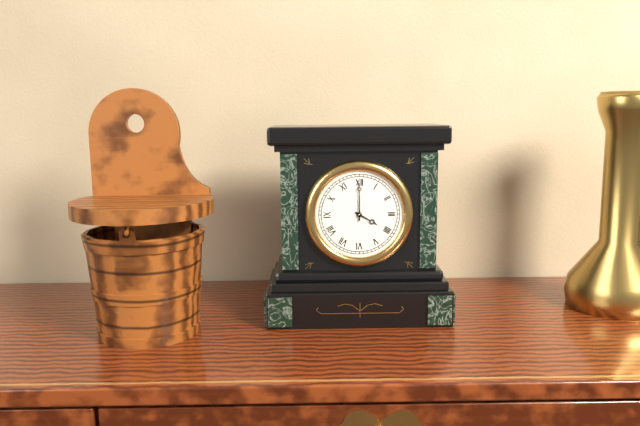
h=4 m=0
